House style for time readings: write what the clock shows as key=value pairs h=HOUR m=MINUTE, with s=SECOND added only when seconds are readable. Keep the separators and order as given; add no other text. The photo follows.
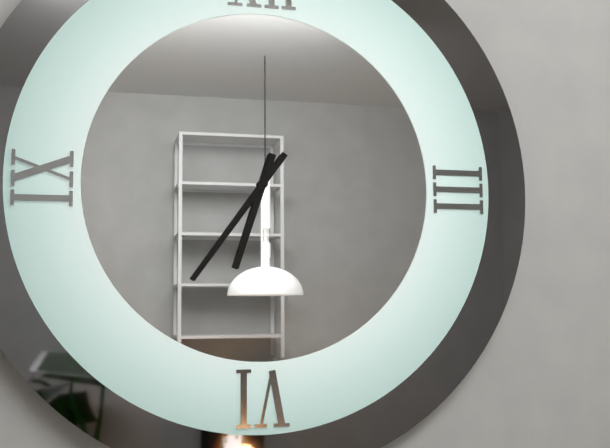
h=6 m=36
